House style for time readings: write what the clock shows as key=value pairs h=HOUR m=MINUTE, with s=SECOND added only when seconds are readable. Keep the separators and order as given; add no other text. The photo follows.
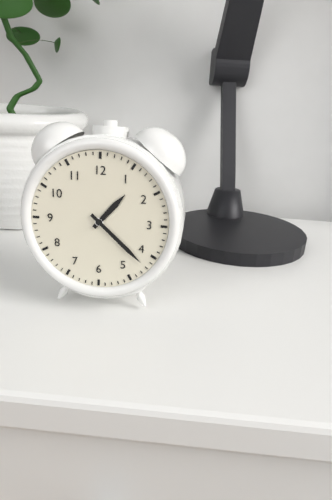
h=1 m=22
